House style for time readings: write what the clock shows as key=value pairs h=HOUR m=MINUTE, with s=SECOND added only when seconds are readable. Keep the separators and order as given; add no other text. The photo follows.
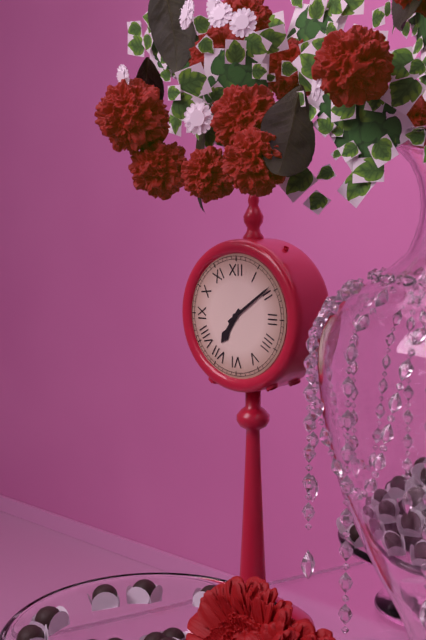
h=7 m=9
